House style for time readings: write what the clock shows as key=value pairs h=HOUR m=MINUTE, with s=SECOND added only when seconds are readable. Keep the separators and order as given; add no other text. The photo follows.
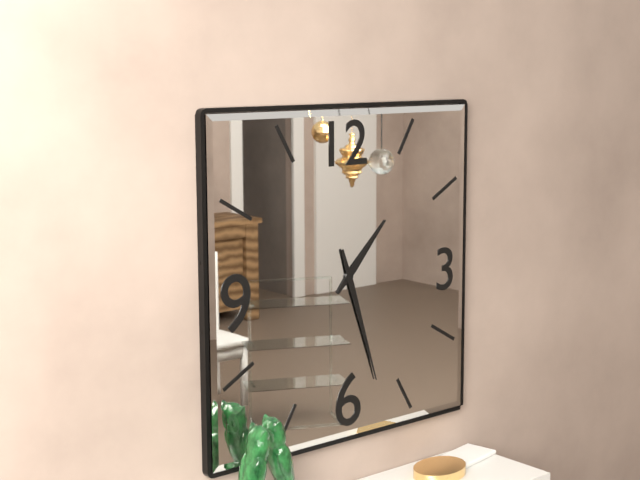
h=1 m=27
